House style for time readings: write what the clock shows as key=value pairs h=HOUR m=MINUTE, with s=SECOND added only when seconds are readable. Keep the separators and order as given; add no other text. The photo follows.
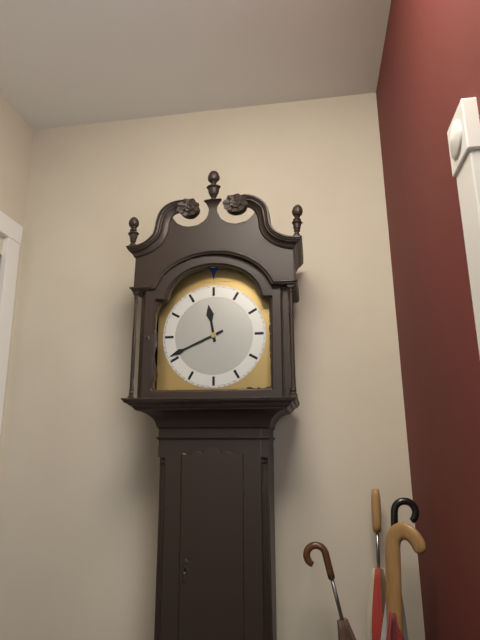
h=11 m=41
